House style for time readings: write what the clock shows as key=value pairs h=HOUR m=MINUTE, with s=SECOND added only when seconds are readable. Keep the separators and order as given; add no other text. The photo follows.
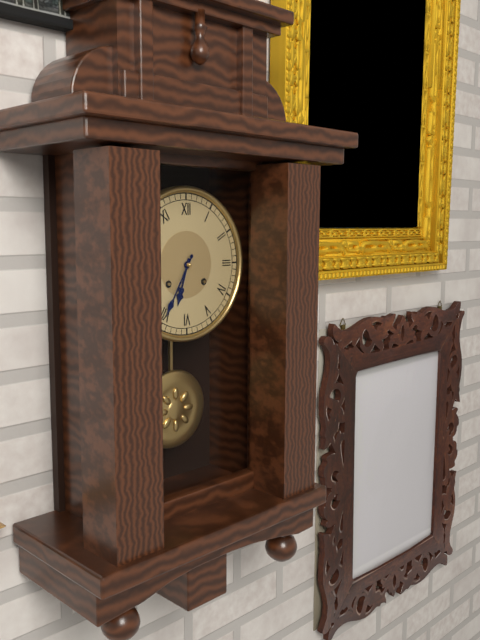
h=6 m=35
